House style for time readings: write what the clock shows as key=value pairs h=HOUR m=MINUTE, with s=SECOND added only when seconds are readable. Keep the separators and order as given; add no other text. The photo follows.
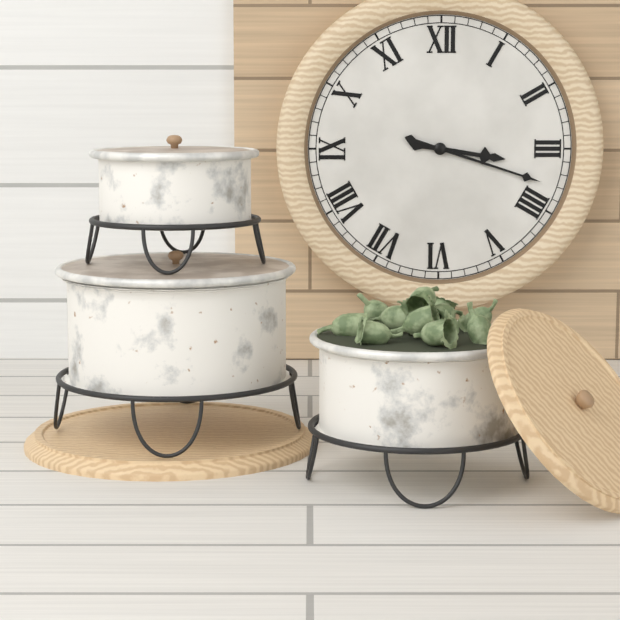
h=3 m=18
